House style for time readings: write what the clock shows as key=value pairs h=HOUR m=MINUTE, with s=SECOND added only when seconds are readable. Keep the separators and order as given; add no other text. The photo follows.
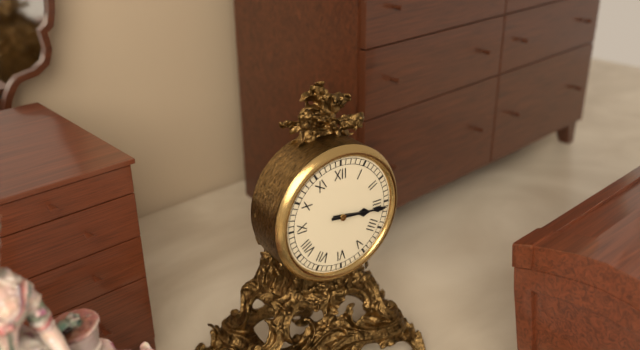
h=3 m=16
